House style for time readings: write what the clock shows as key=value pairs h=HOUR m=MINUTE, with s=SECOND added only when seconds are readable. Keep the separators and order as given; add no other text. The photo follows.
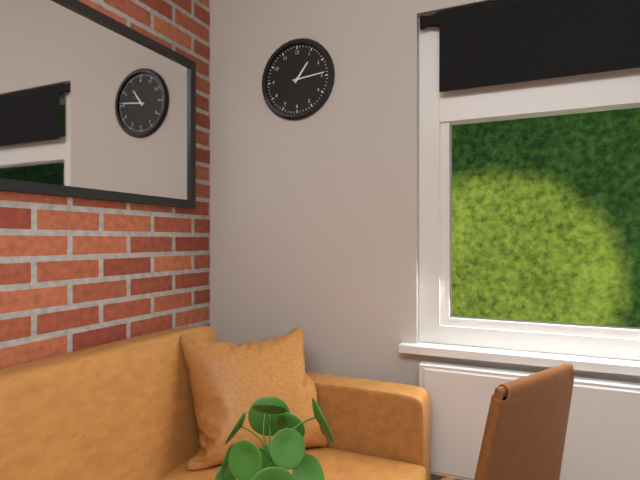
h=1 m=14
